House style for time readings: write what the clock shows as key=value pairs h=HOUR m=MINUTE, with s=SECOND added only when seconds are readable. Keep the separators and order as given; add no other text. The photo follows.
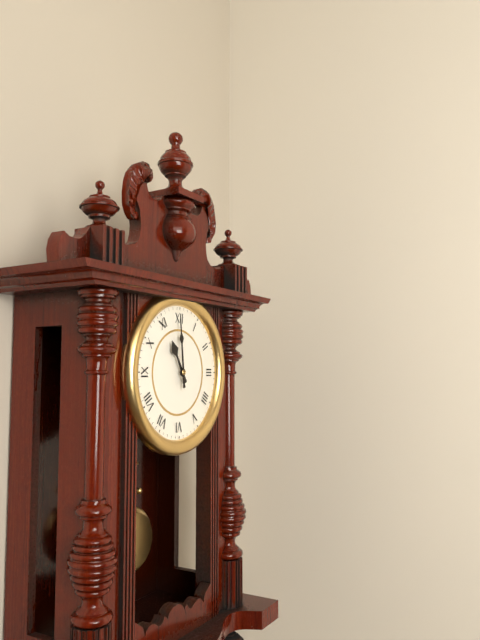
h=10 m=59
